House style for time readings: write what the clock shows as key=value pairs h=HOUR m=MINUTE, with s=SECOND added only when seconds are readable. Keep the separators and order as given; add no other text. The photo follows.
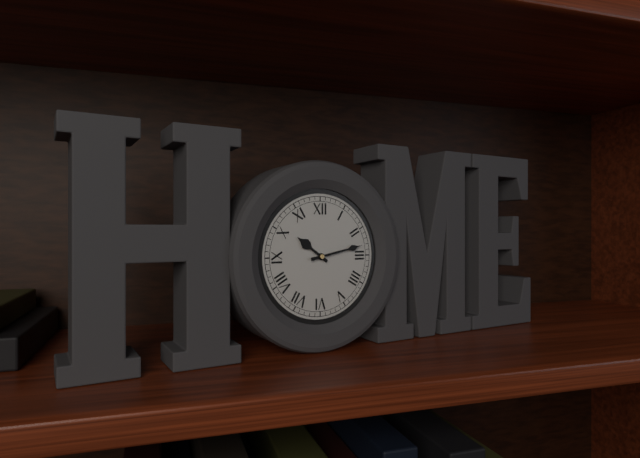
h=10 m=13
